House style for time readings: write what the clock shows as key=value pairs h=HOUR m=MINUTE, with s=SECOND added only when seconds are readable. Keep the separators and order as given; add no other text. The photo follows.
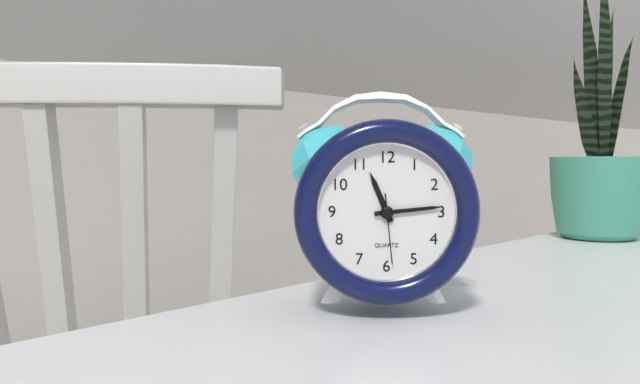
h=11 m=14 s=29
